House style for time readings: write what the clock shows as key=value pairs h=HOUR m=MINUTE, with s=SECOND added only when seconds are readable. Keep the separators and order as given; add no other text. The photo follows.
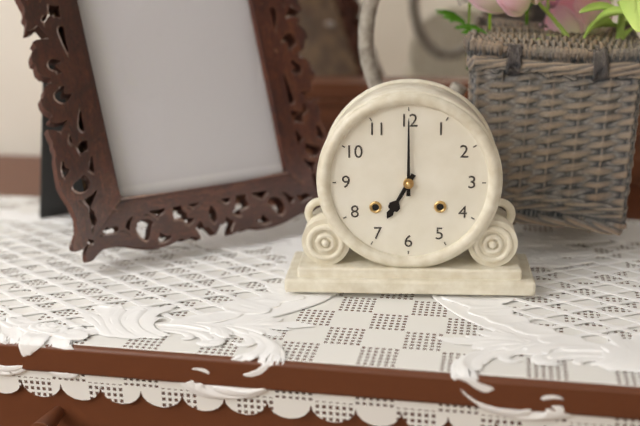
h=7 m=0
